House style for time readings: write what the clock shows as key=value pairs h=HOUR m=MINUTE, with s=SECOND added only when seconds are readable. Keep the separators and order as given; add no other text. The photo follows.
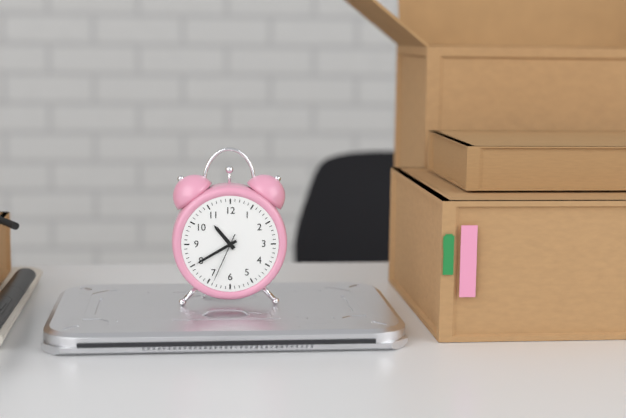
h=10 m=40 s=34
